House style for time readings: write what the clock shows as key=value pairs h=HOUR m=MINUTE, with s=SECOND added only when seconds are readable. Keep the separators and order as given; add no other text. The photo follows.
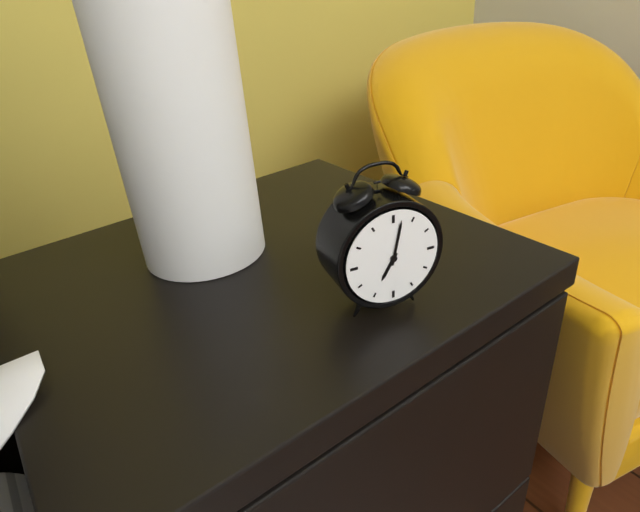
h=7 m=2
